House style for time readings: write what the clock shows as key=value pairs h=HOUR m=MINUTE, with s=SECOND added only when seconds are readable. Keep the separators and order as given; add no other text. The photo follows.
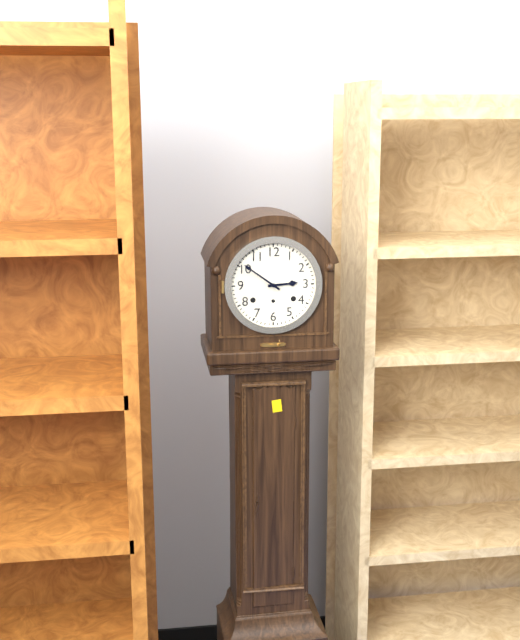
h=2 m=51
